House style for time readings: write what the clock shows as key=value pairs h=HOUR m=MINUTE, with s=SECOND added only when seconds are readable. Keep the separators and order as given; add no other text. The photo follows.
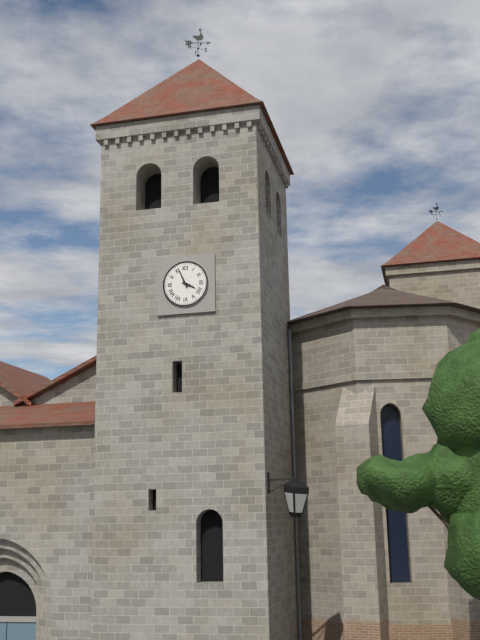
h=3 m=56
